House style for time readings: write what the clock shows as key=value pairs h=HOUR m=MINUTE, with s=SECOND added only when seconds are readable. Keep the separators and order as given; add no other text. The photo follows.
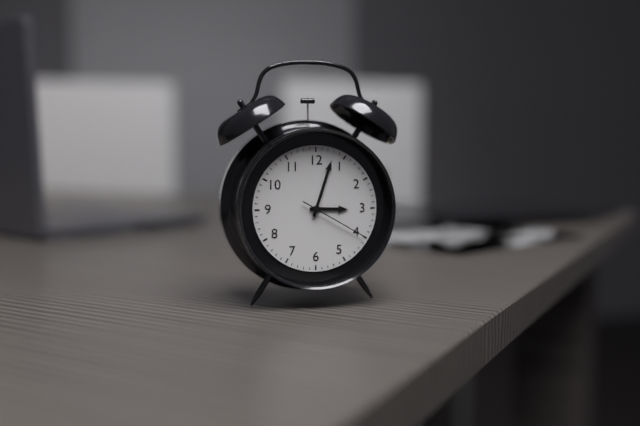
h=3 m=3 s=20
